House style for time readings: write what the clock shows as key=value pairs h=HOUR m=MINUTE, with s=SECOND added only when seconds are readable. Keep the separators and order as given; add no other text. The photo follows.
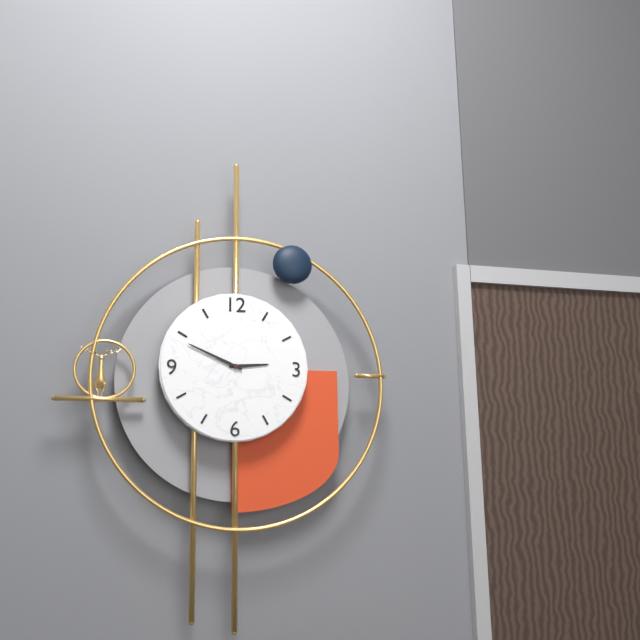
h=2 m=49
